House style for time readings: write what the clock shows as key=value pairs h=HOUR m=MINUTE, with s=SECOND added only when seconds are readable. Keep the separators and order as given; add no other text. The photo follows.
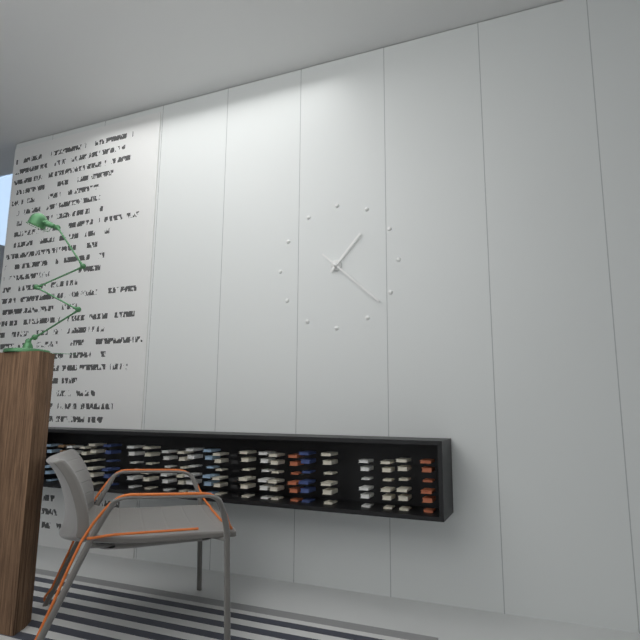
h=1 m=22
